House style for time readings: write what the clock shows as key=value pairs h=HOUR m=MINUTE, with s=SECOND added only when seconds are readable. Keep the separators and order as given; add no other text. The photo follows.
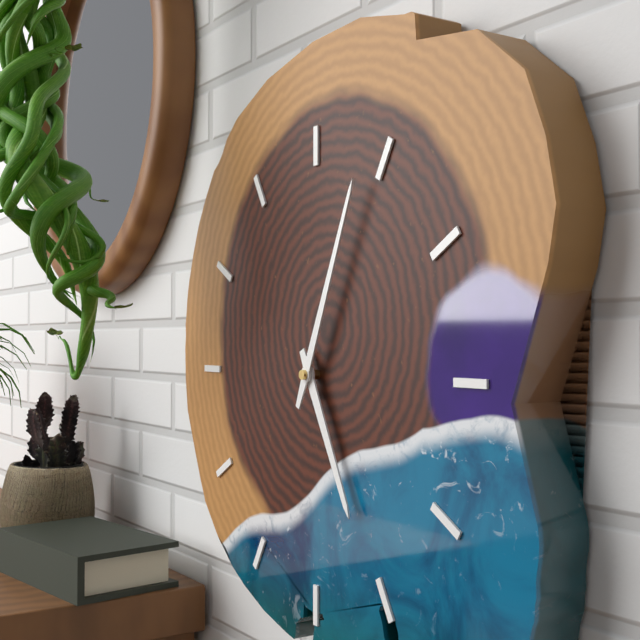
h=5 m=4
